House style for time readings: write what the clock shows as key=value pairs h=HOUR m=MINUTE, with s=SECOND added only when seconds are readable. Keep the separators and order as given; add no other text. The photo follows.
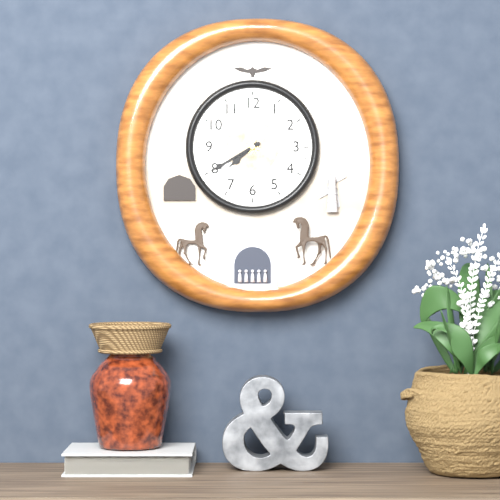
h=7 m=40
